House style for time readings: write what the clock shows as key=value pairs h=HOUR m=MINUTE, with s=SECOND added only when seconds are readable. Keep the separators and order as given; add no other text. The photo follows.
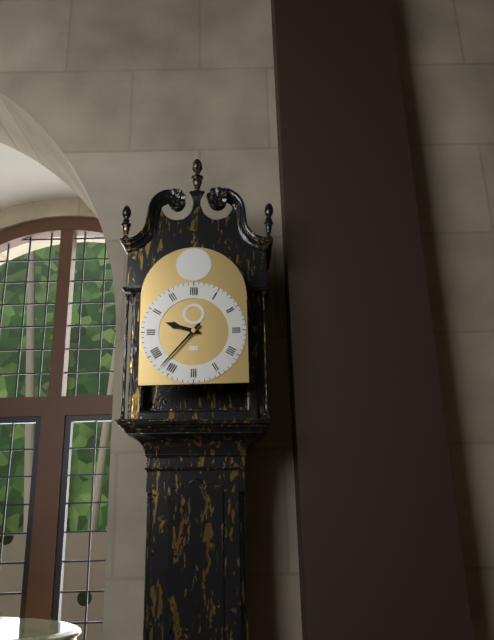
h=9 m=37
